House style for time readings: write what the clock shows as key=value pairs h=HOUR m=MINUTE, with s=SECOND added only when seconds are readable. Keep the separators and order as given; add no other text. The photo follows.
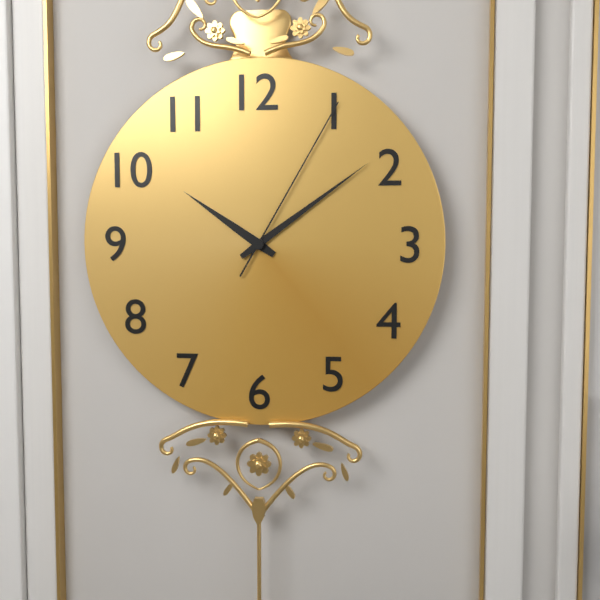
h=10 m=9 s=5
